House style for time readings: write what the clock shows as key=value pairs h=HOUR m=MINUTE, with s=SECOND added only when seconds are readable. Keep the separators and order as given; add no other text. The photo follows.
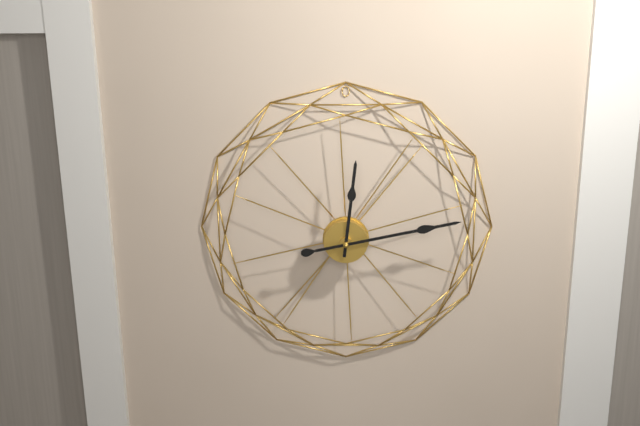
h=12 m=13
